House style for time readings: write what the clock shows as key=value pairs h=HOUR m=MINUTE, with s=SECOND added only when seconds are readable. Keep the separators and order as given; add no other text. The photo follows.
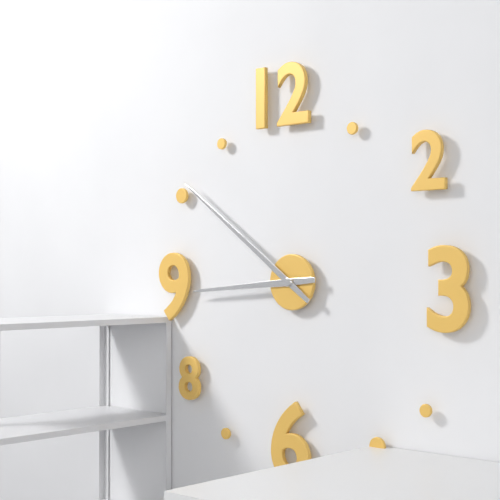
h=8 m=51
